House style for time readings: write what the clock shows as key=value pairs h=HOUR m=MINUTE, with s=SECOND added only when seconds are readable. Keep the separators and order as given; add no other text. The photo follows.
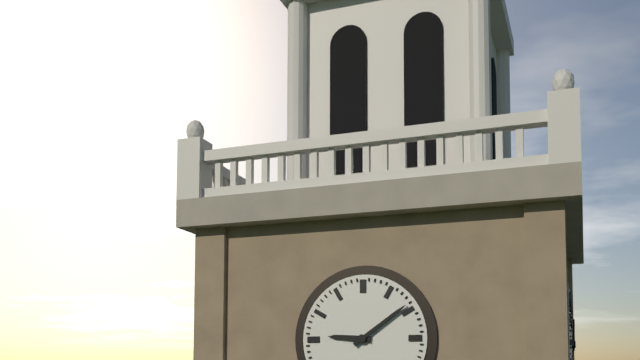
h=9 m=9
